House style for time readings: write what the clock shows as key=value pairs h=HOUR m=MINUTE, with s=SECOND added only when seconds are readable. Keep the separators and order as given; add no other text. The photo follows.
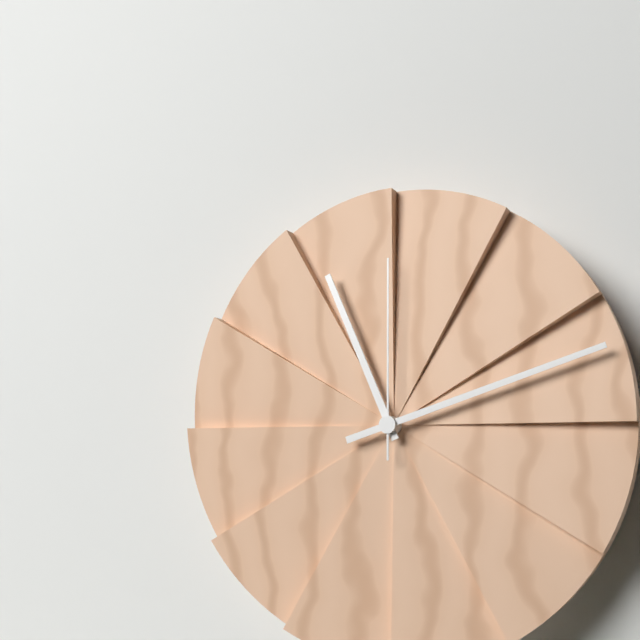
h=11 m=12 s=0
